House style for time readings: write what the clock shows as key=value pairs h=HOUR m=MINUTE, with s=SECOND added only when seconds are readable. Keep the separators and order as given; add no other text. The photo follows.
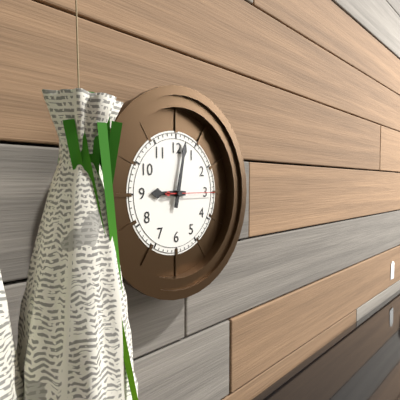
h=9 m=2
